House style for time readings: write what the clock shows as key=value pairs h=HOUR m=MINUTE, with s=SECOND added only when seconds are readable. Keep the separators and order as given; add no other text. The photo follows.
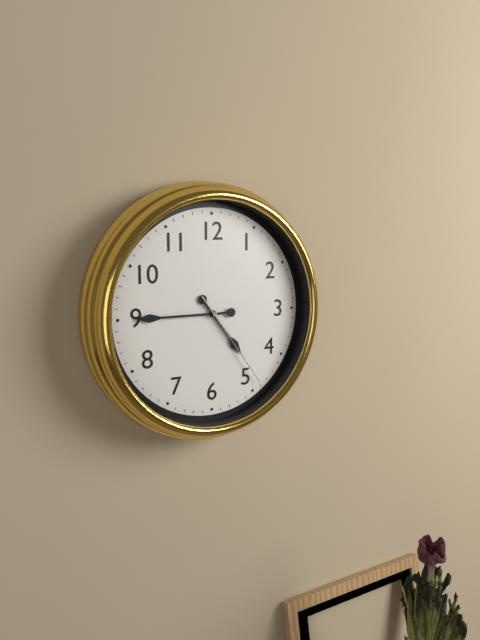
h=4 m=45 s=24
